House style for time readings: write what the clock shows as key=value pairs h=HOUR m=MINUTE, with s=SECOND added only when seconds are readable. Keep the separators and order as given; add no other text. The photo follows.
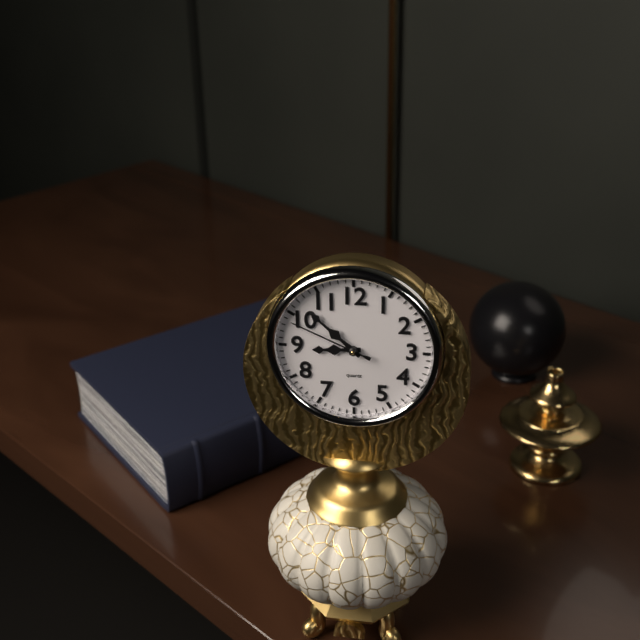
h=8 m=52 s=49
